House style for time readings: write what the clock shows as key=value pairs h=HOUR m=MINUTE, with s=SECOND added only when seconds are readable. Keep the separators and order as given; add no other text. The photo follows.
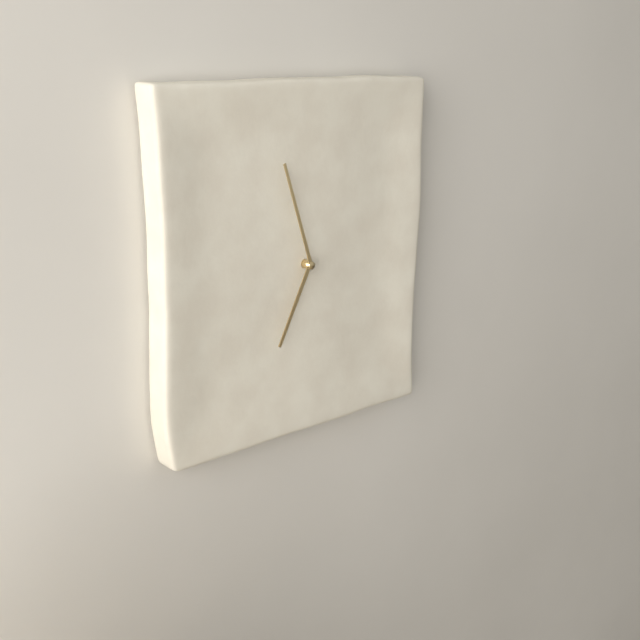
h=6 m=57
